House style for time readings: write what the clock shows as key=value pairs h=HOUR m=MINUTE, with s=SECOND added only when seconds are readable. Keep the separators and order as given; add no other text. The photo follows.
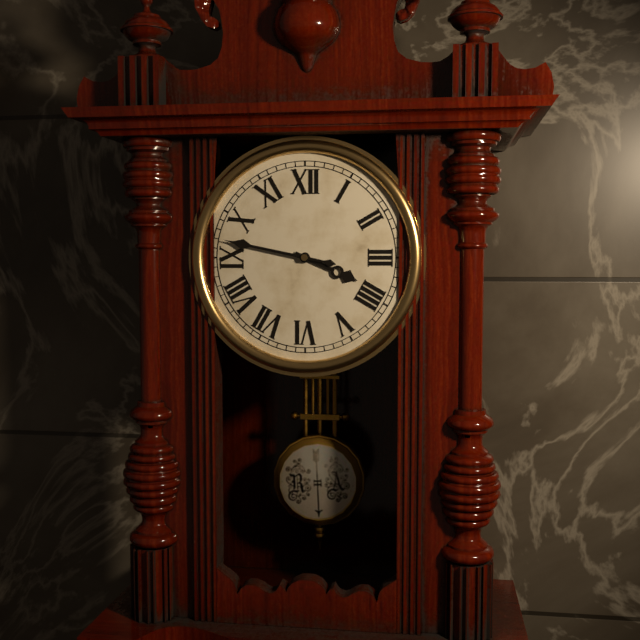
h=3 m=47
